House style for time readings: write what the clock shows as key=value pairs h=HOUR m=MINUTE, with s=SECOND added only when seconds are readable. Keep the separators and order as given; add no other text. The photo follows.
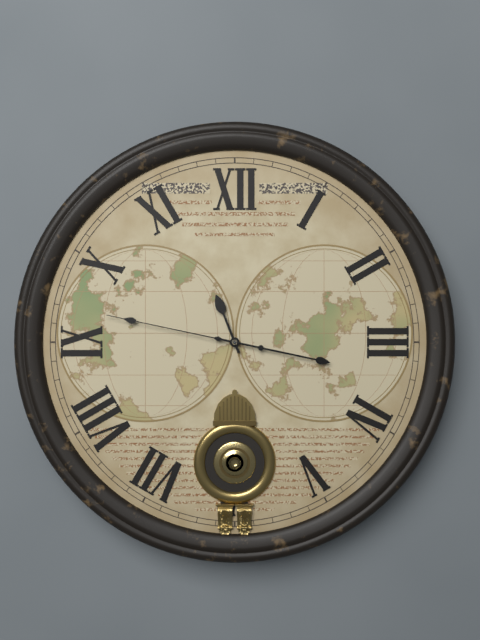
h=11 m=17 s=47
